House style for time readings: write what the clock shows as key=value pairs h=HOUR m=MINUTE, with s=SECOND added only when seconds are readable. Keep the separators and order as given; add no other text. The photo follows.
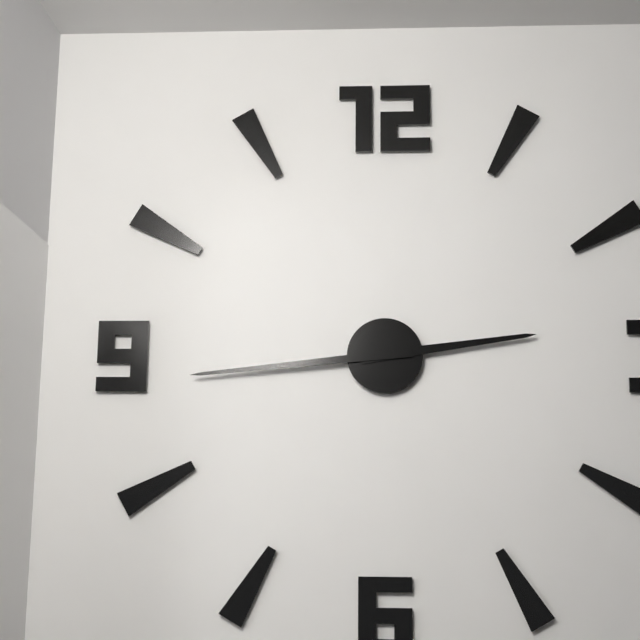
h=2 m=44
